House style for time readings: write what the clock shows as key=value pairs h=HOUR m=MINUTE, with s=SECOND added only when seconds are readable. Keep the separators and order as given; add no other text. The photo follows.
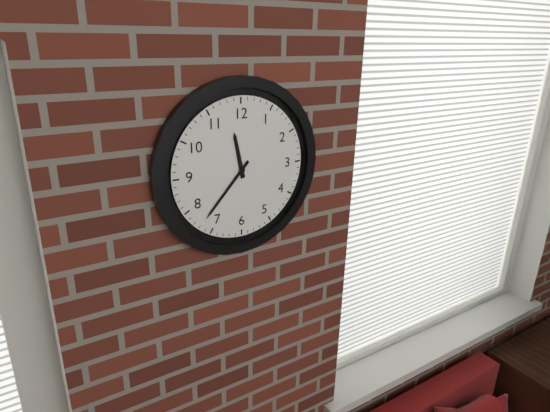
h=11 m=37
